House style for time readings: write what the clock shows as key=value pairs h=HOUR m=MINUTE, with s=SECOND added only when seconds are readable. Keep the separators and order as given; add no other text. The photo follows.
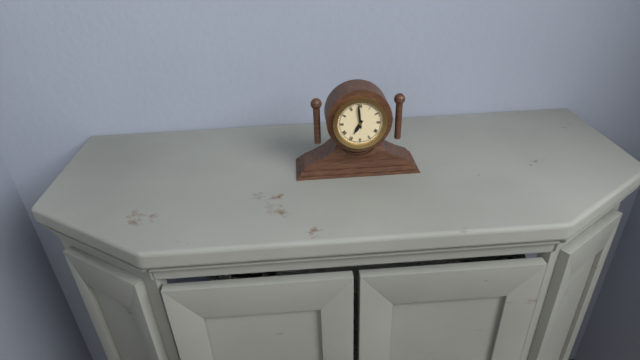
h=6 m=59
